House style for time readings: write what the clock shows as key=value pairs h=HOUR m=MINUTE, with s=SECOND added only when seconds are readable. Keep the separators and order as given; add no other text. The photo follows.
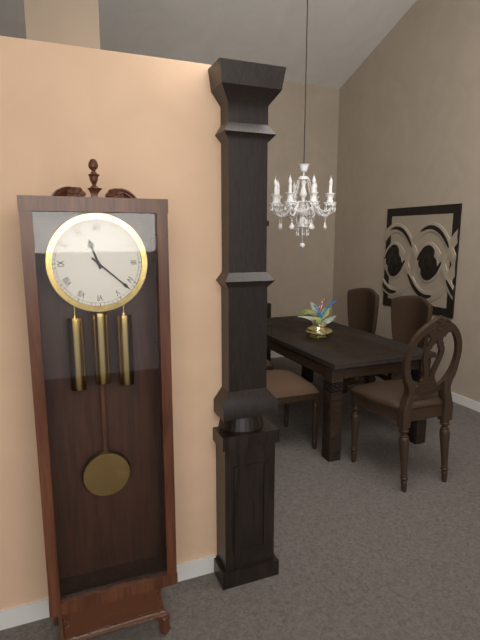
h=11 m=22
